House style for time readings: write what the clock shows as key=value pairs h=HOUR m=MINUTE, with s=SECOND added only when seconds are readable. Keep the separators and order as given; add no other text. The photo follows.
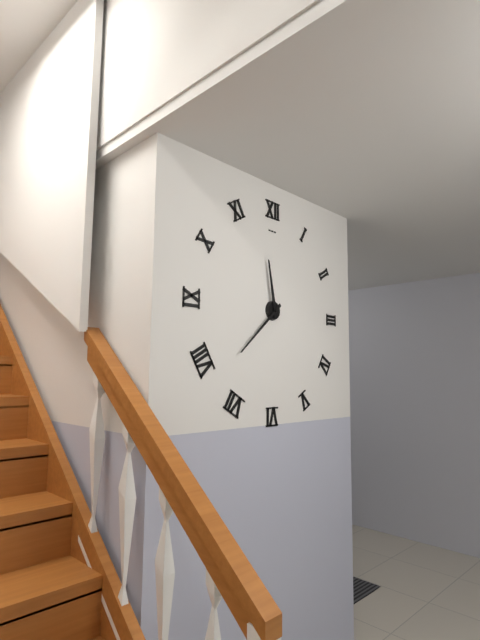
h=11 m=38
